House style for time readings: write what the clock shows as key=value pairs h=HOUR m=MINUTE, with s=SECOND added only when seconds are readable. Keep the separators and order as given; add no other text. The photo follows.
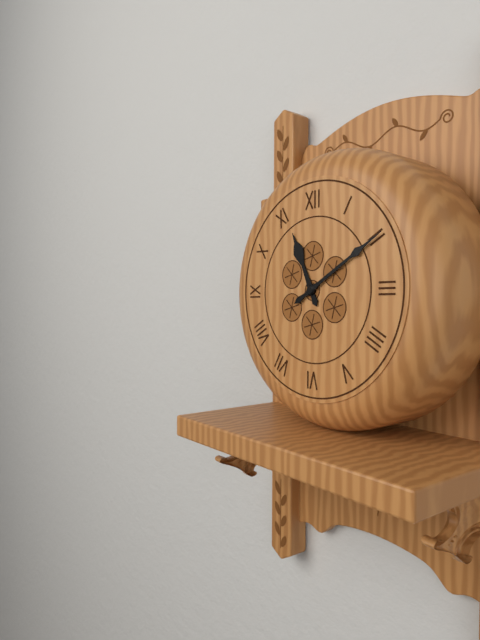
h=11 m=10
